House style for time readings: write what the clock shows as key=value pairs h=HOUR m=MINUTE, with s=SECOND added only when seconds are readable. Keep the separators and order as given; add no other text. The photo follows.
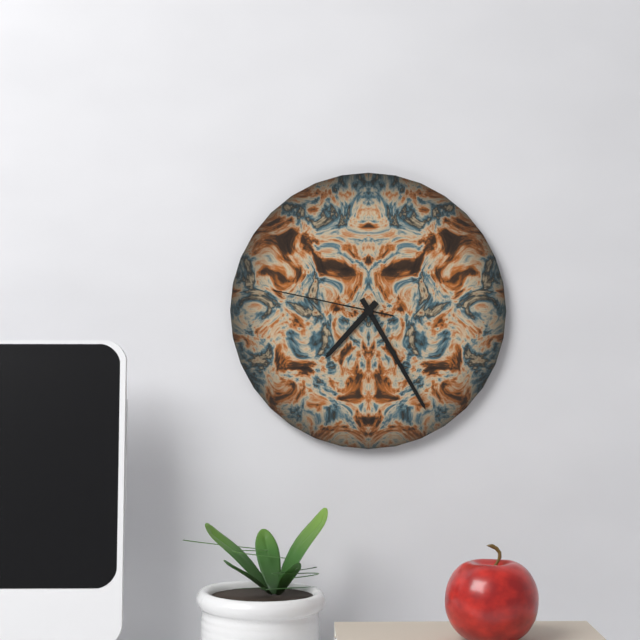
h=7 m=25 s=47
